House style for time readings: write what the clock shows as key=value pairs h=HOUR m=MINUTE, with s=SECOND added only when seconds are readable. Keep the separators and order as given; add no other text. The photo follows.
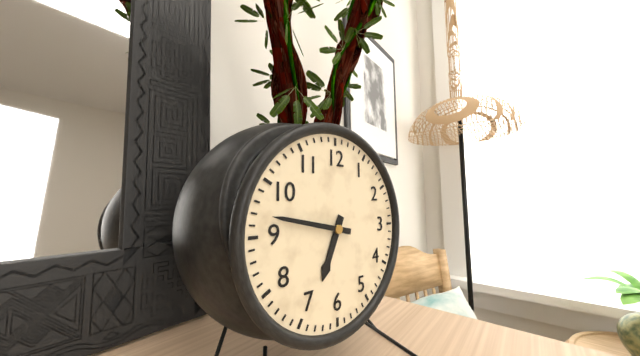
h=6 m=47
